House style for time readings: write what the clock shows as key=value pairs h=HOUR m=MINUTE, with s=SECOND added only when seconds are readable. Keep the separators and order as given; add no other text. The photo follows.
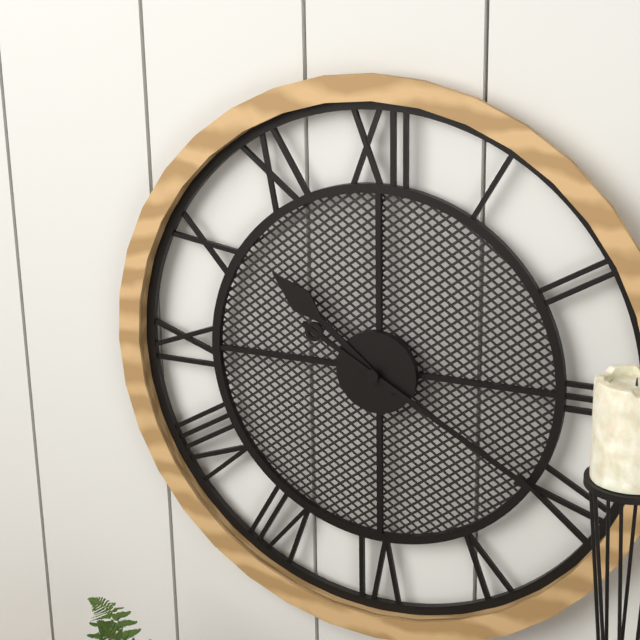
h=10 m=20
